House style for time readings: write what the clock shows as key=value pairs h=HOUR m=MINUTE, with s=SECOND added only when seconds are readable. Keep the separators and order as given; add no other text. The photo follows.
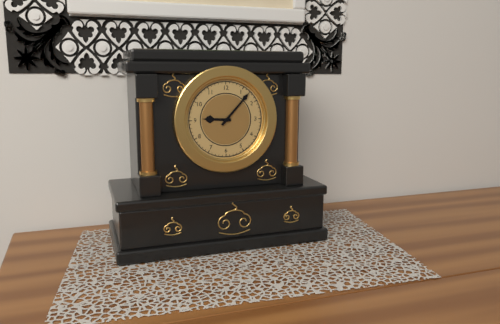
h=9 m=7
